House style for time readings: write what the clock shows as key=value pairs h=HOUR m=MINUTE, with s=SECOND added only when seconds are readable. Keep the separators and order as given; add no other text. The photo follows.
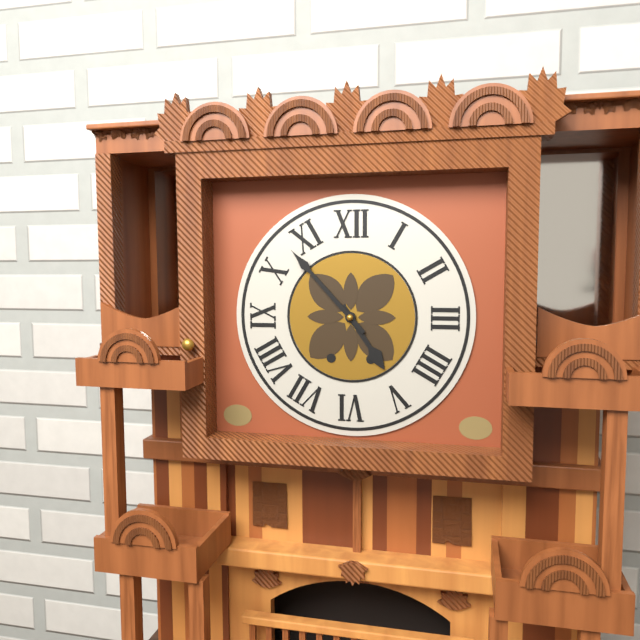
h=4 m=53
